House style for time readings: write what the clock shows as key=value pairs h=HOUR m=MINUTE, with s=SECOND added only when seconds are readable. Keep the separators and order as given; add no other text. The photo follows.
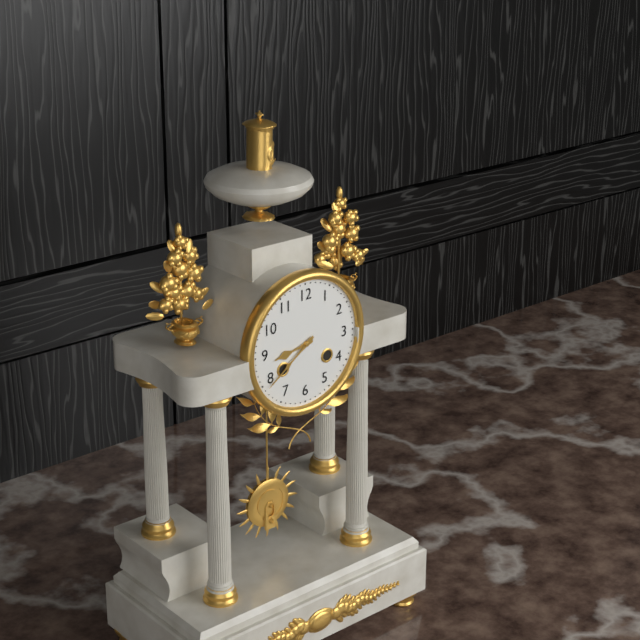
h=8 m=39
